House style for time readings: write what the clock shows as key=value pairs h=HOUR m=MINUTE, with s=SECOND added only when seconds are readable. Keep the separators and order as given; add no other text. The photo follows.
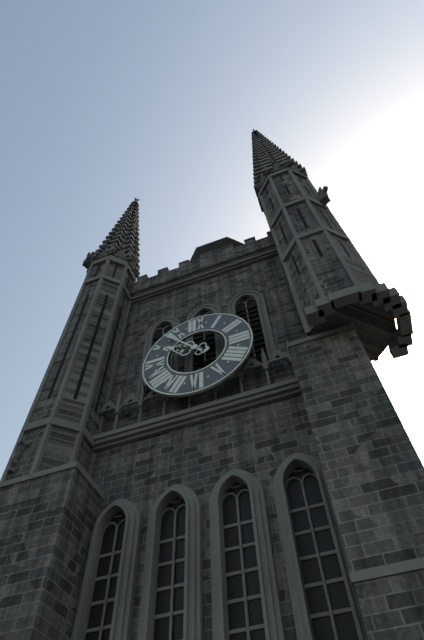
h=9 m=53
